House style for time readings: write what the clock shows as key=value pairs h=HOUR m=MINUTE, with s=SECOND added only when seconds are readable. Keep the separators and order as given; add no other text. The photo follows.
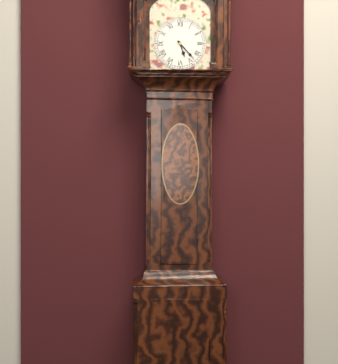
h=5 m=23
